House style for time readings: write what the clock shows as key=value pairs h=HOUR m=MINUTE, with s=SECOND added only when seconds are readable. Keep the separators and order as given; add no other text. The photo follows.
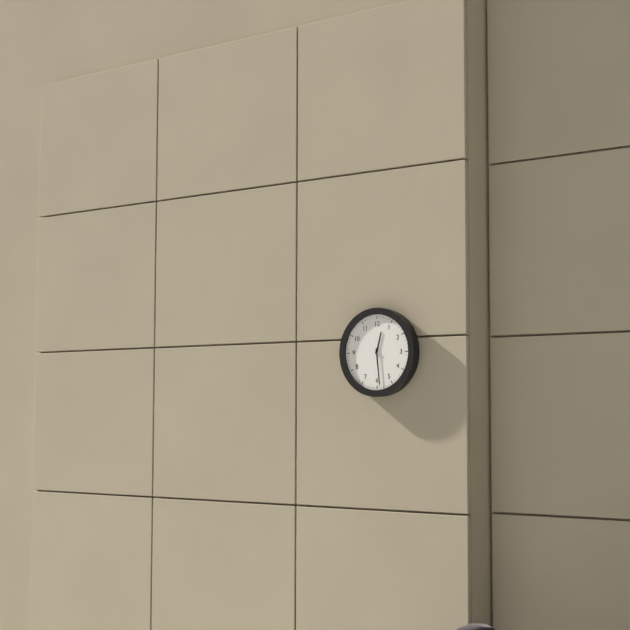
h=12 m=29
